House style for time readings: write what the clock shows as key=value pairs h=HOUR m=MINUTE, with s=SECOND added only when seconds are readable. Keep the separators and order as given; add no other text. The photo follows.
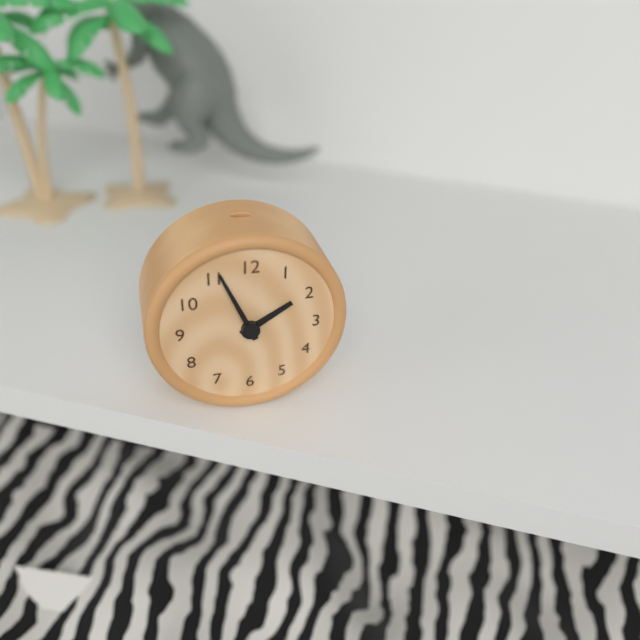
h=1 m=56
